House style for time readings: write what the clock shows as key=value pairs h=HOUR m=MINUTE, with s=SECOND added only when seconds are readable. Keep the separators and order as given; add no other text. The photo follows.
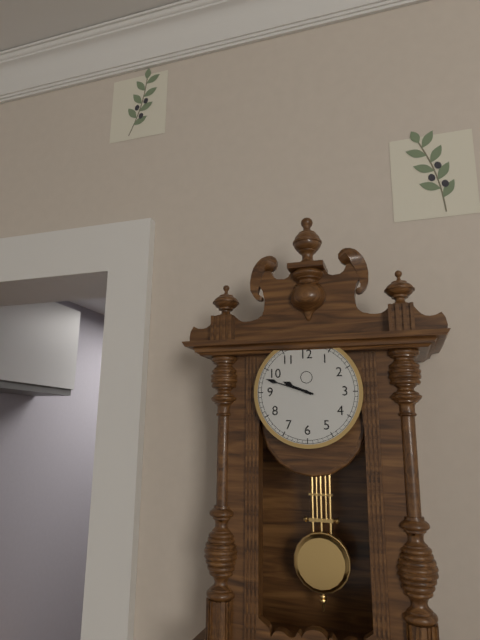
h=9 m=48
